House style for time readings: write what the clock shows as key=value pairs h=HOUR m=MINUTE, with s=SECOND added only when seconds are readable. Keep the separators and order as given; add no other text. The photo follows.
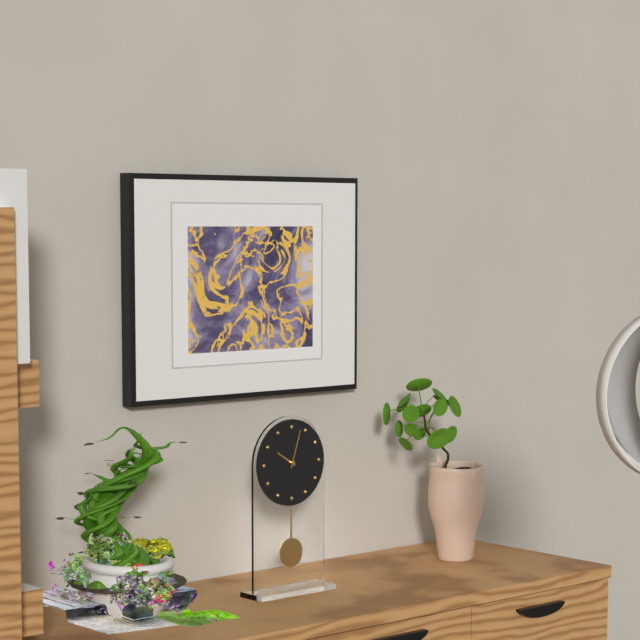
h=10 m=3
